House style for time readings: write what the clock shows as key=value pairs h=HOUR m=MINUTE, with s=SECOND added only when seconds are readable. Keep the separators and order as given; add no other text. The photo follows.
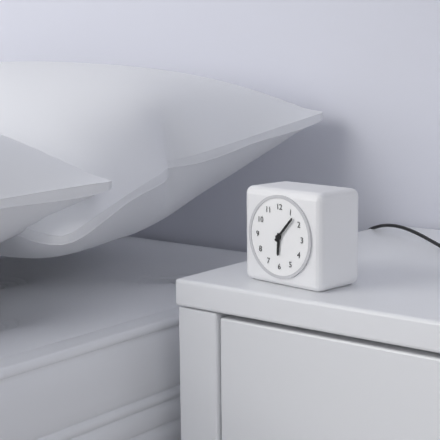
h=6 m=7
